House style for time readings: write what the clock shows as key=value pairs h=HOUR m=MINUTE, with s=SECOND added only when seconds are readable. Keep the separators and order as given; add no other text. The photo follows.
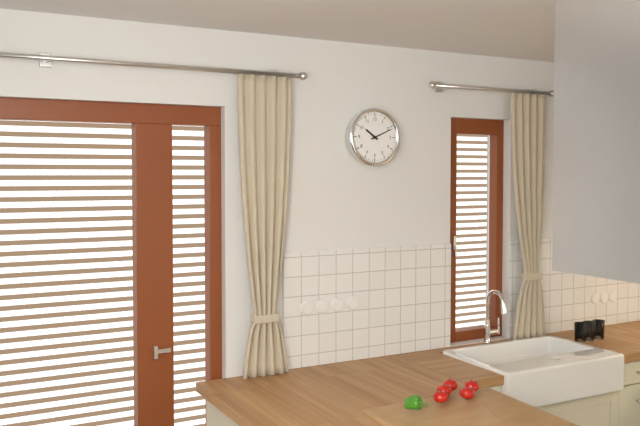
h=10 m=11
